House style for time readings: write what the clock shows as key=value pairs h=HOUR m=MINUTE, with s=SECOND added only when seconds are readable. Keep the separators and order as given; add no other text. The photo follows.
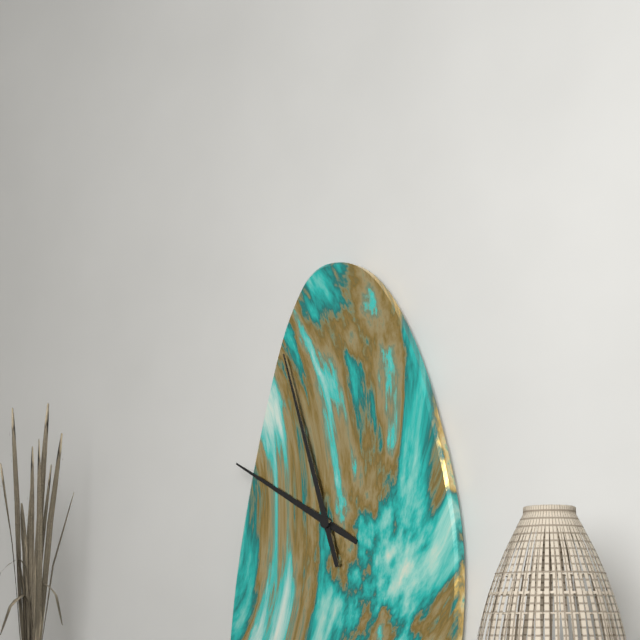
h=9 m=57
